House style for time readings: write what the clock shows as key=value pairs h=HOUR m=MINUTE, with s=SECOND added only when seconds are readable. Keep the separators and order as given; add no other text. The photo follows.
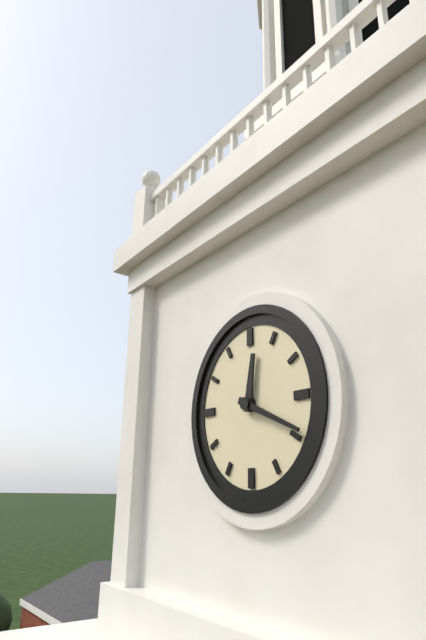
h=12 m=19
